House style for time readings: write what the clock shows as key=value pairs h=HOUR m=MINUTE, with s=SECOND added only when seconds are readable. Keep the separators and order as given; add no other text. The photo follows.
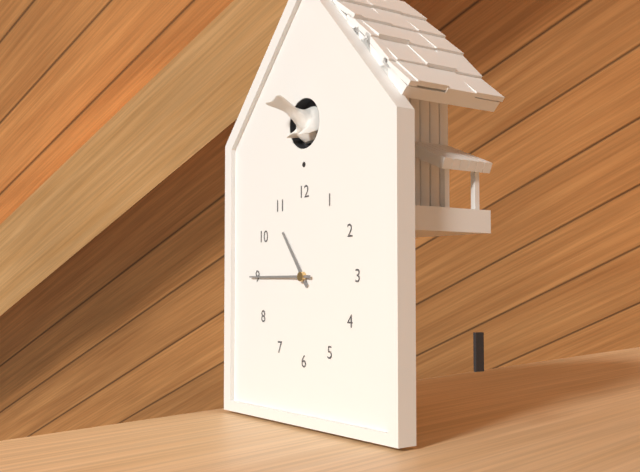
h=10 m=45
